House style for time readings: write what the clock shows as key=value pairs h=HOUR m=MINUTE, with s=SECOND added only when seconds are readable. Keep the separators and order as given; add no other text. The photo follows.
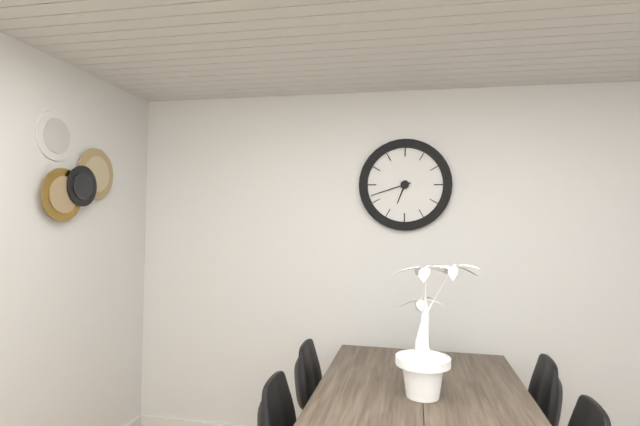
h=6 m=42
